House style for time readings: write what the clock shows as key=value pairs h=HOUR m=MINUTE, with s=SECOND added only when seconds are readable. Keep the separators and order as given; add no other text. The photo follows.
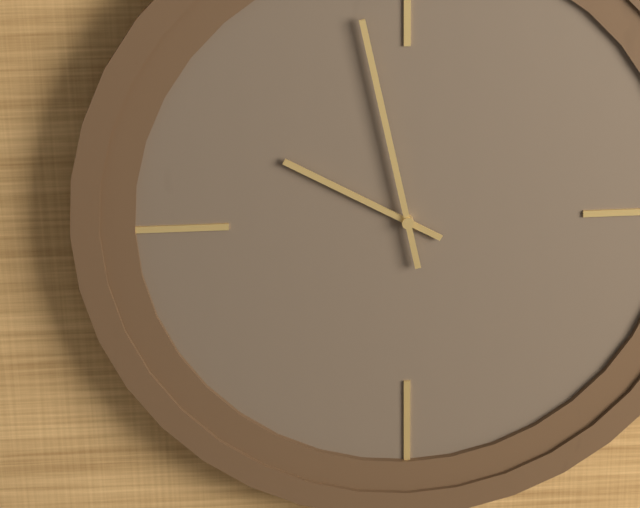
h=9 m=58
